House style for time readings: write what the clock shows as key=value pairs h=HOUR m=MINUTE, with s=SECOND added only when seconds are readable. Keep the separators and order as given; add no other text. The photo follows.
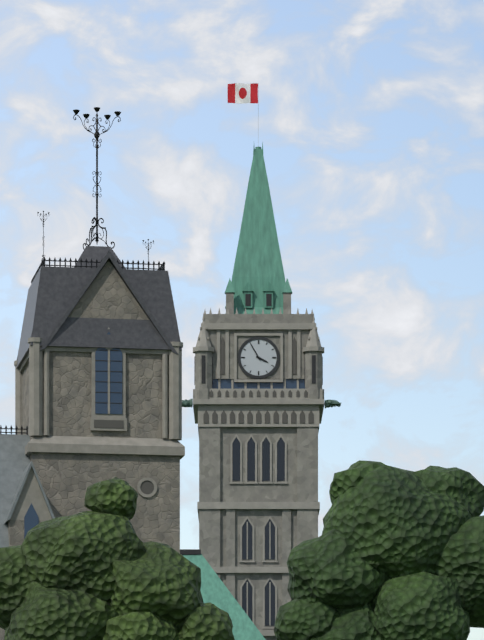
h=3 m=55
